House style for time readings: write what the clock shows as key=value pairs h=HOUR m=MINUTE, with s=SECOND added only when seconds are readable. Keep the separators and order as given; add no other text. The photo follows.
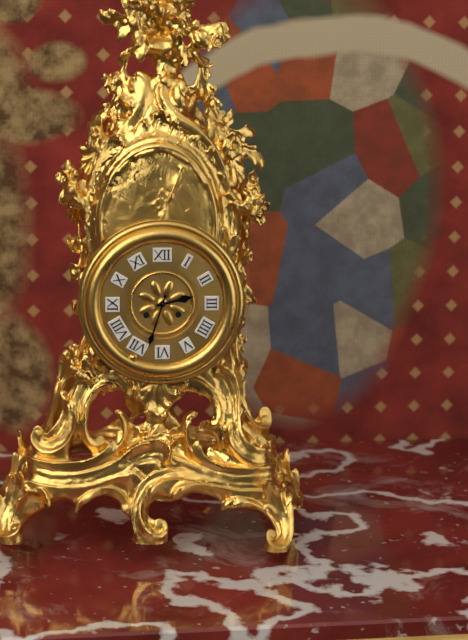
h=2 m=33
